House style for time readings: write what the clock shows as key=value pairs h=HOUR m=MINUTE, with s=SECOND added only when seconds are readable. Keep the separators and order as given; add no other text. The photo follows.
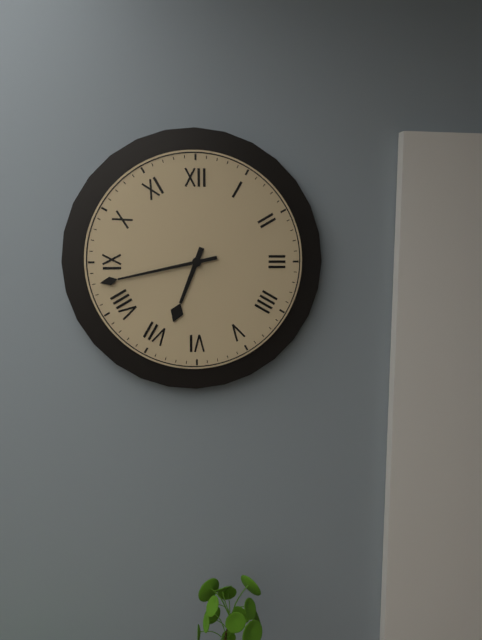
h=6 m=43
